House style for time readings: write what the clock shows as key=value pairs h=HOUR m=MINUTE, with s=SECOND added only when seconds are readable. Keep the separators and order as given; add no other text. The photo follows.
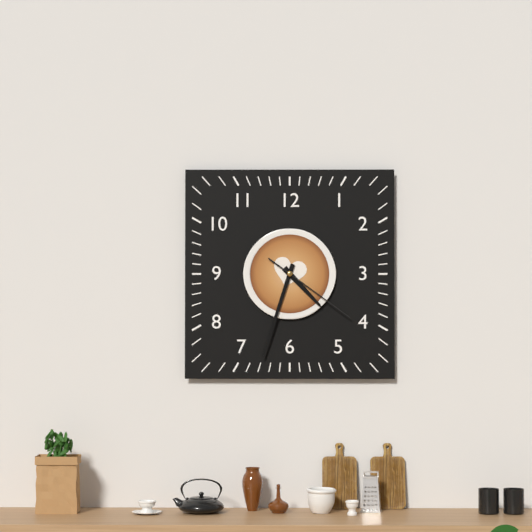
h=4 m=33 s=21
